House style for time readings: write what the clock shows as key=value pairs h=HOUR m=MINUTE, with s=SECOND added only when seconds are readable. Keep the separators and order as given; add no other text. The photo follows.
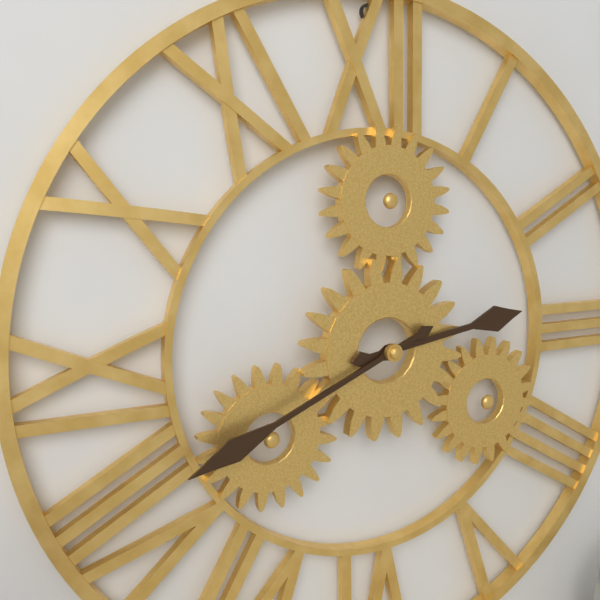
h=2 m=41
